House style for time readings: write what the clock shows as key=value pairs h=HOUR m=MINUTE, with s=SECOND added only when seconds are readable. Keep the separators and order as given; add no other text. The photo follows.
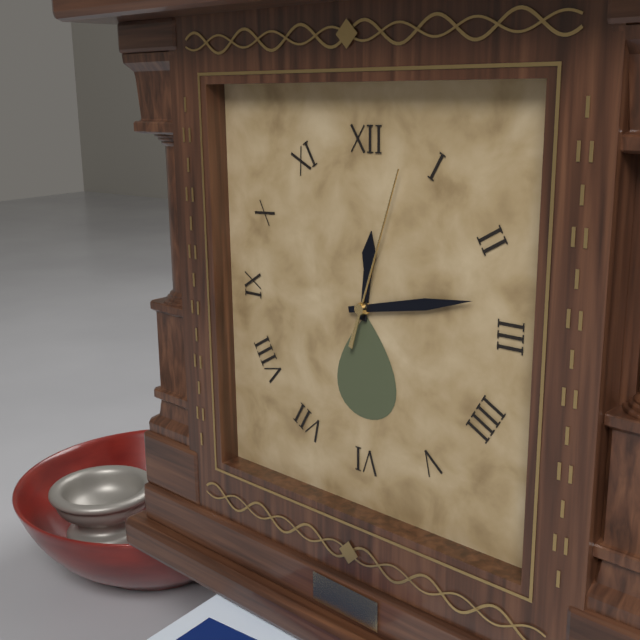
h=12 m=13 s=3
